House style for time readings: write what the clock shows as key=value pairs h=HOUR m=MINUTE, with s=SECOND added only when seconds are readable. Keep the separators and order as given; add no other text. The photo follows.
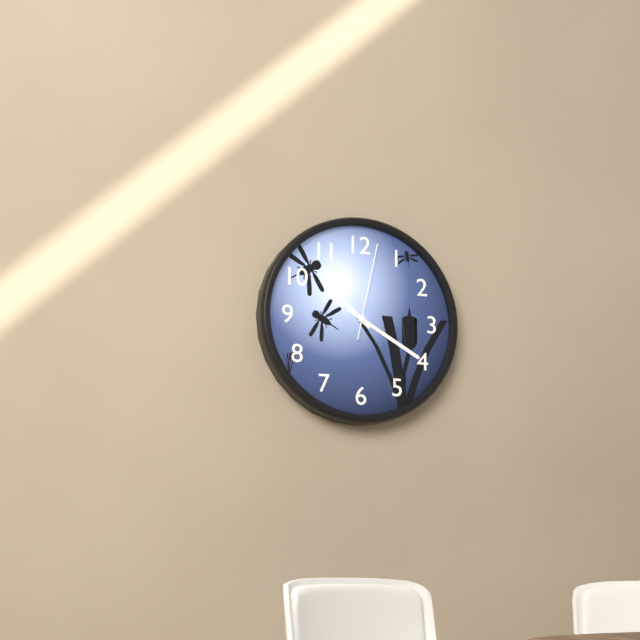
h=10 m=20 s=2
